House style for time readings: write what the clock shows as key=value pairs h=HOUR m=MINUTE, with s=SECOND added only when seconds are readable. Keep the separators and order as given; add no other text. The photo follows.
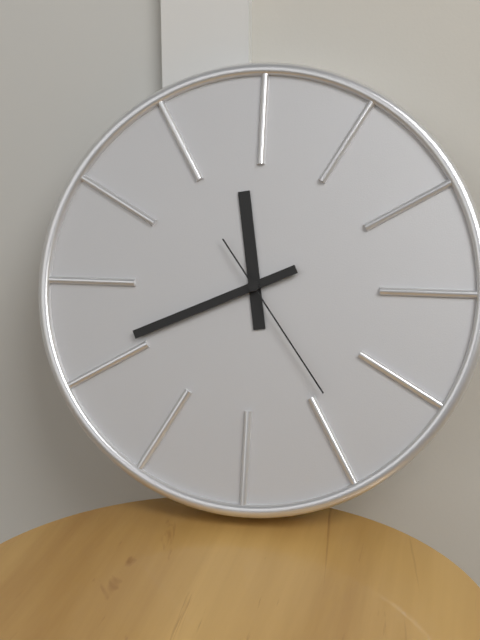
h=11 m=41 s=24
